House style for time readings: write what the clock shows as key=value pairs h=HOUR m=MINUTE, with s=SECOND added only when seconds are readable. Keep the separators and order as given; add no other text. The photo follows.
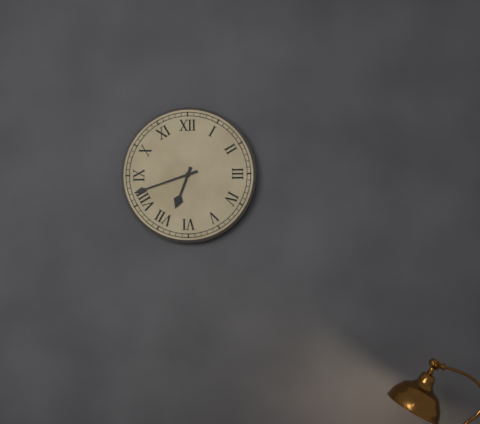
h=6 m=42
